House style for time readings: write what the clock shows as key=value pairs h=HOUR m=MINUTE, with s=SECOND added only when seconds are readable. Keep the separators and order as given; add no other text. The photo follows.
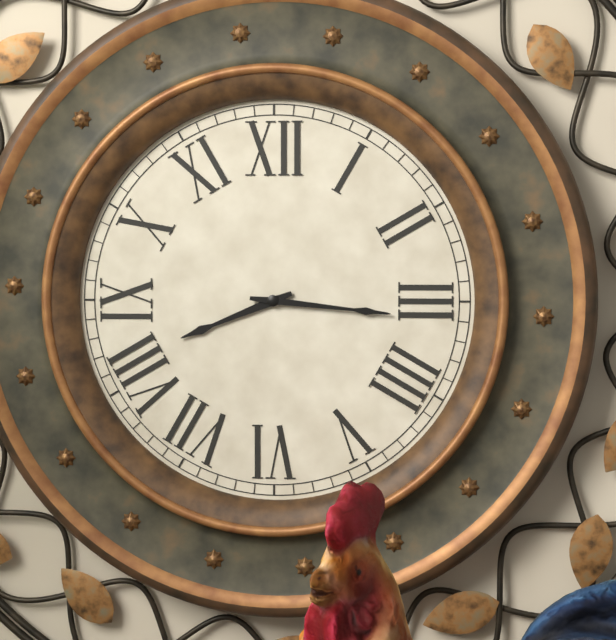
h=8 m=16
